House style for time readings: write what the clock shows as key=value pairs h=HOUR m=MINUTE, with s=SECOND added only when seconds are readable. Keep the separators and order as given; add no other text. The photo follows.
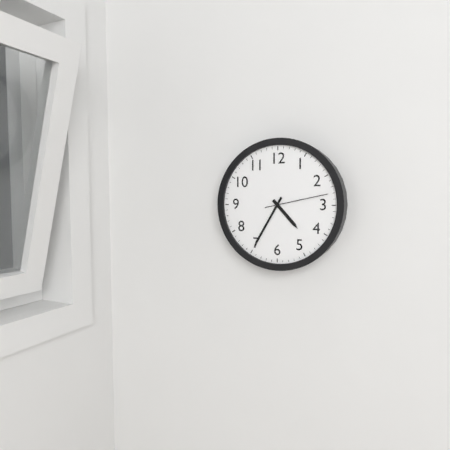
h=4 m=35 s=13
